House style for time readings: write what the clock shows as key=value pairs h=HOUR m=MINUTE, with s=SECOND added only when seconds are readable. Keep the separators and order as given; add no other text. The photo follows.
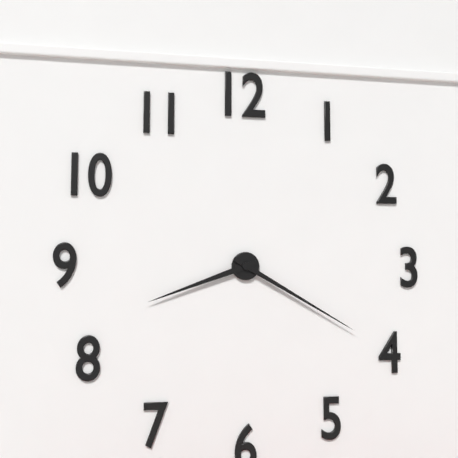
h=8 m=20
